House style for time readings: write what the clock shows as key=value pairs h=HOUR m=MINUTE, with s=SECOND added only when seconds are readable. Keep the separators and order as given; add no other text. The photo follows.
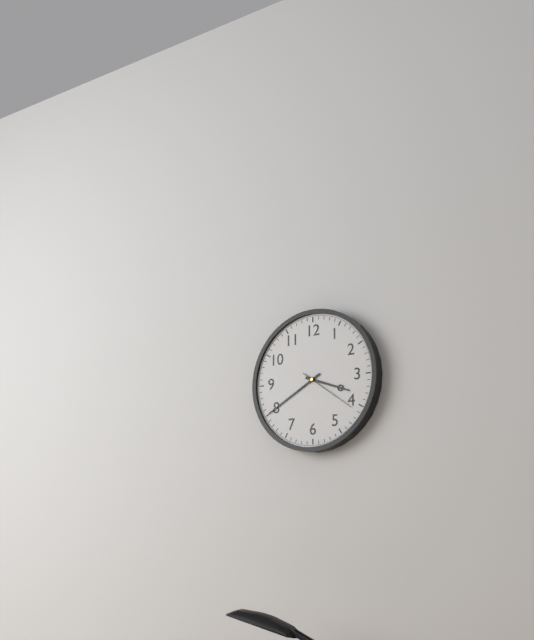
h=3 m=40 s=21
